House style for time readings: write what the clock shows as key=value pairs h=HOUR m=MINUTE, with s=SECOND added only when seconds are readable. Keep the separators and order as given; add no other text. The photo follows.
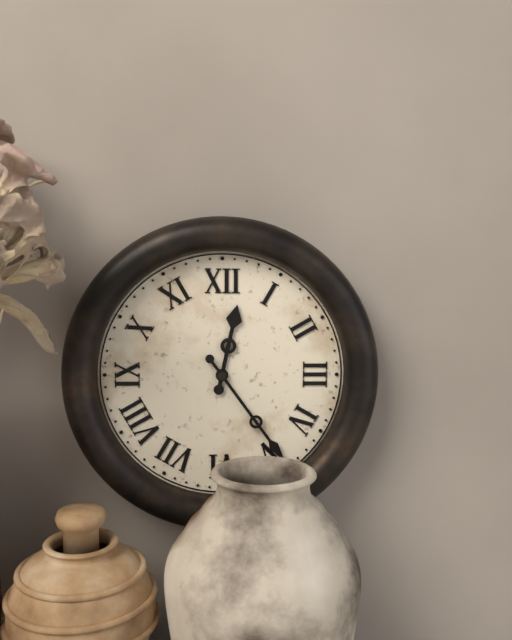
h=12 m=24
